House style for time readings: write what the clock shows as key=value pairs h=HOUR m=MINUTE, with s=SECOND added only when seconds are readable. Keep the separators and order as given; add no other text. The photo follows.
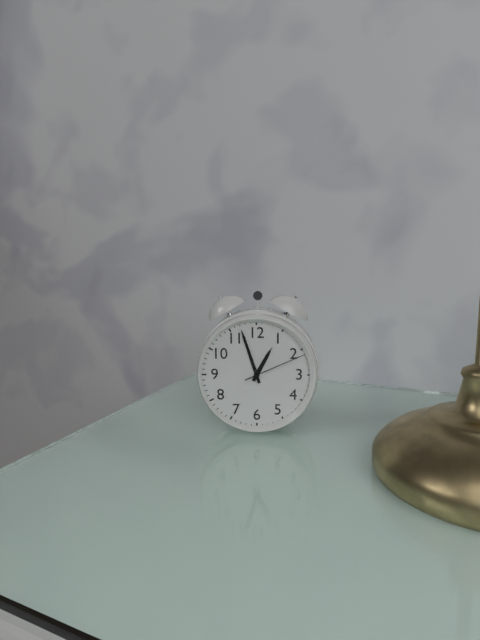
h=12 m=57 s=11
